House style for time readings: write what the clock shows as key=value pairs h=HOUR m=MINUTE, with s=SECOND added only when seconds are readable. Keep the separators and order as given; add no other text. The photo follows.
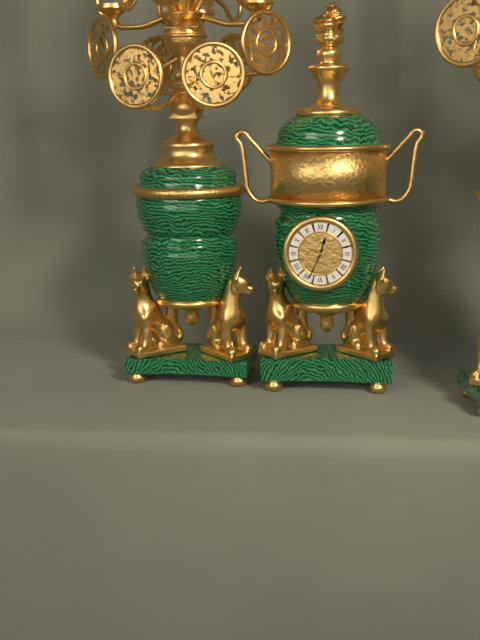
h=12 m=34
